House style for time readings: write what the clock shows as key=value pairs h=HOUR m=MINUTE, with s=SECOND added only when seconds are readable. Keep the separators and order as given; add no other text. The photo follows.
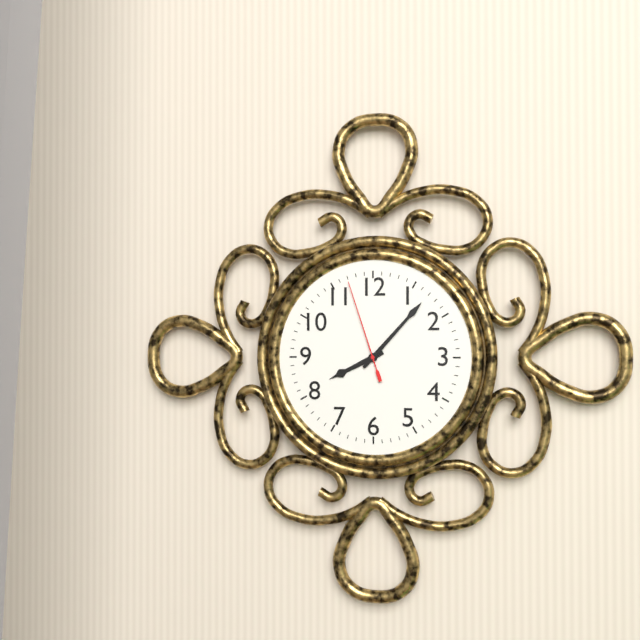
h=8 m=7 s=57
